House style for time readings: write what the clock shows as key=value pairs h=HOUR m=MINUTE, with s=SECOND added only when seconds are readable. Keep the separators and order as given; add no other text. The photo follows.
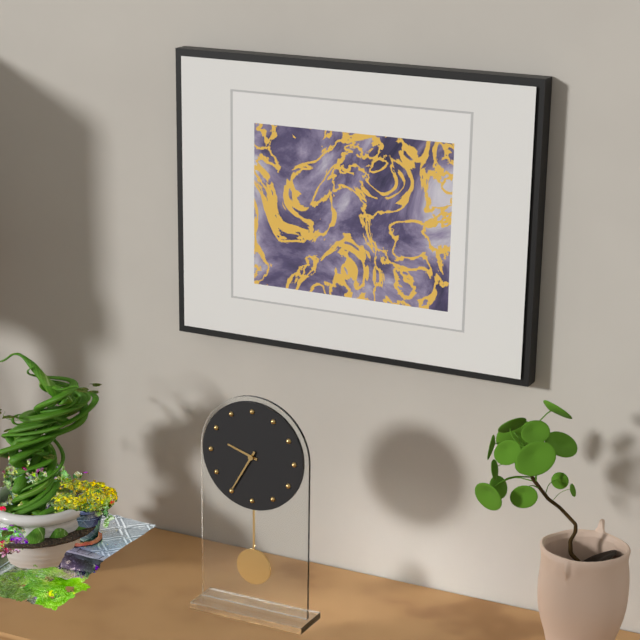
h=9 m=35
